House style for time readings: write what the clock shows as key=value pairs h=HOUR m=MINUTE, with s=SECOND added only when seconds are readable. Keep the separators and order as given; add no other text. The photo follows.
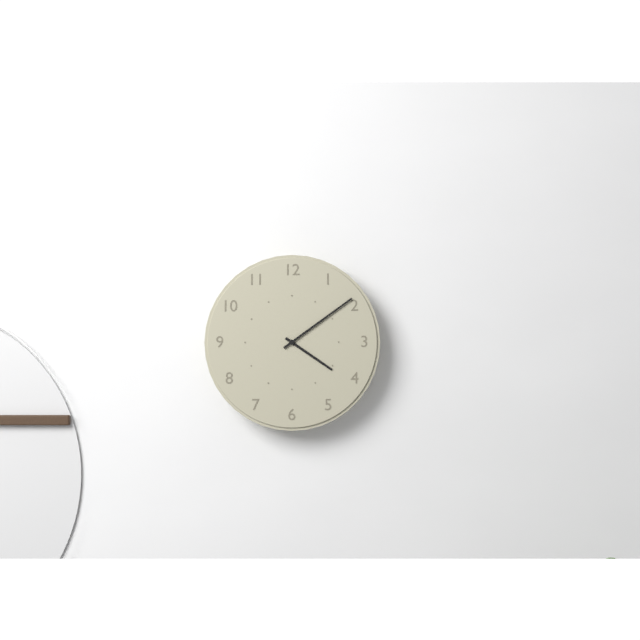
h=4 m=9
